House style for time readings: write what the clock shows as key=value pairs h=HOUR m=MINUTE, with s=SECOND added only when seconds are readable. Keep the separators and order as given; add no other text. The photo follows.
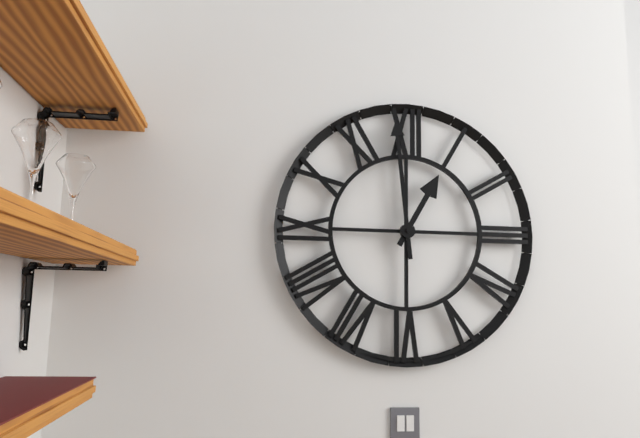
h=12 m=59
